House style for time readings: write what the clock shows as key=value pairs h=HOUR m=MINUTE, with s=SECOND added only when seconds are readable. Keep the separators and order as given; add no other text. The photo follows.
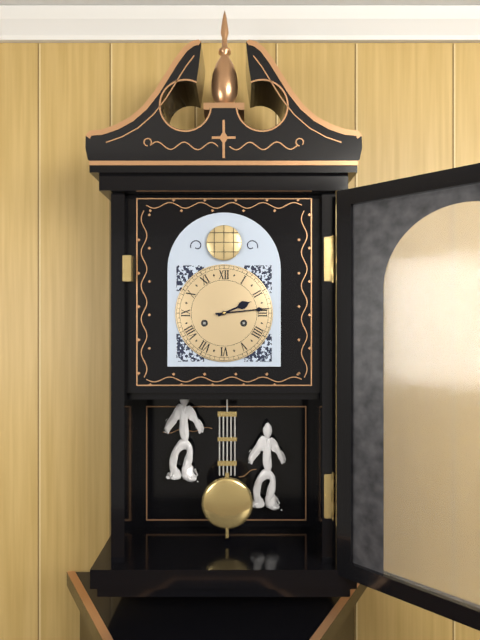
h=2 m=14
